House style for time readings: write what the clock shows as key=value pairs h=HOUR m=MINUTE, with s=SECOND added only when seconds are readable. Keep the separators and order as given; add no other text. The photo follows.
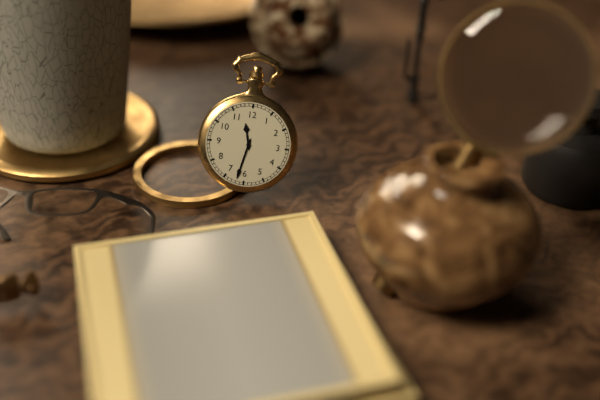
h=11 m=32
